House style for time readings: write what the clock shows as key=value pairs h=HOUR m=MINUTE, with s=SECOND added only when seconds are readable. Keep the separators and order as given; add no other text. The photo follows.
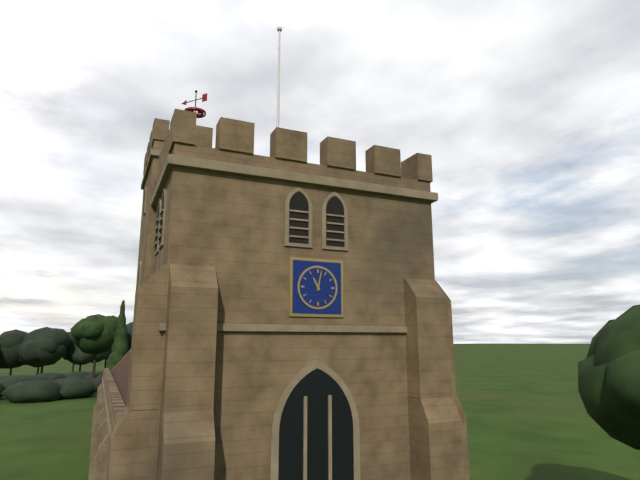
h=11 m=2
